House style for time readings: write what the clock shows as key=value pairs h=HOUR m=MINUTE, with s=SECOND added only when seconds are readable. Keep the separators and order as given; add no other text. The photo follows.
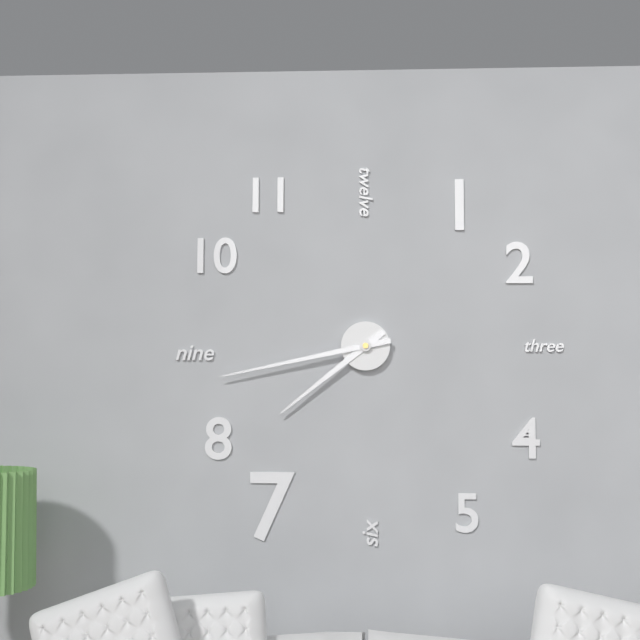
h=7 m=43
